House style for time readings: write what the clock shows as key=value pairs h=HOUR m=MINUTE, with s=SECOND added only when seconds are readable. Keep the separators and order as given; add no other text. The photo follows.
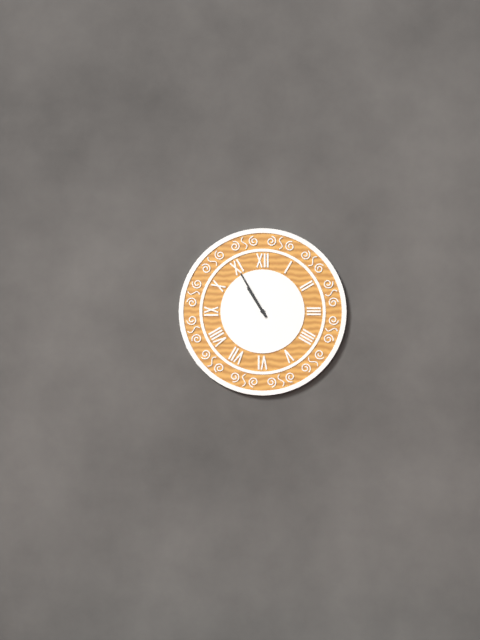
h=10 m=55
